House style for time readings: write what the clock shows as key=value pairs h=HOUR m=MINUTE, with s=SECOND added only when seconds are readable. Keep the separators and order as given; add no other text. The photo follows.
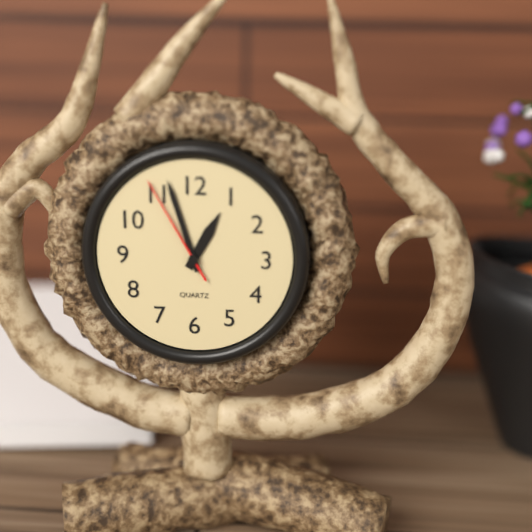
h=12 m=57 s=55
